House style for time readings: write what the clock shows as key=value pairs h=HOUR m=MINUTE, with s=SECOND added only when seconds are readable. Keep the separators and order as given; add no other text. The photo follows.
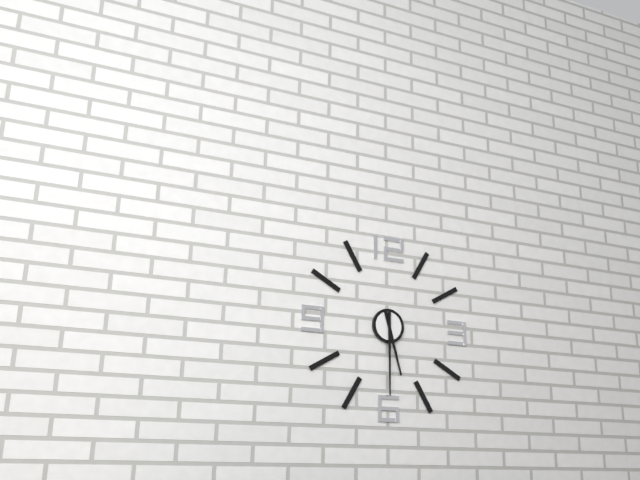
h=5 m=30
